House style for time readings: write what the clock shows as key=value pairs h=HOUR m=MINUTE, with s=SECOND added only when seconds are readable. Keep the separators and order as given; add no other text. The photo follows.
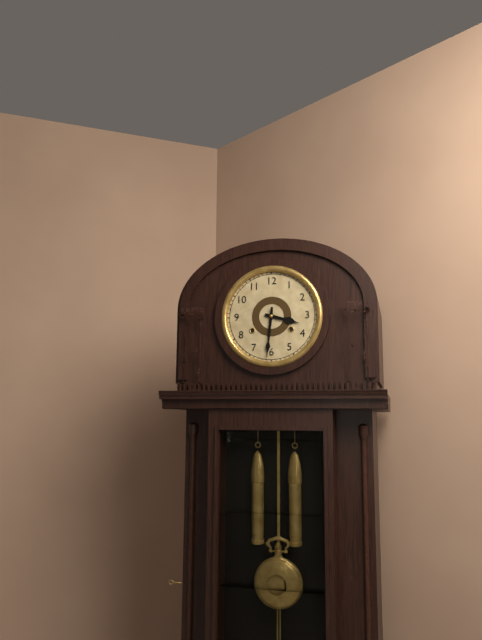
h=3 m=31
